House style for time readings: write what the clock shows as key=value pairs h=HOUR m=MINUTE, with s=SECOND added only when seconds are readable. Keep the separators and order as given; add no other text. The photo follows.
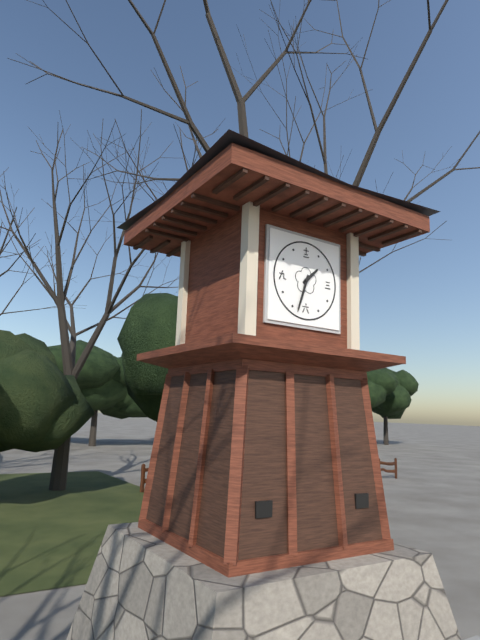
h=1 m=33
